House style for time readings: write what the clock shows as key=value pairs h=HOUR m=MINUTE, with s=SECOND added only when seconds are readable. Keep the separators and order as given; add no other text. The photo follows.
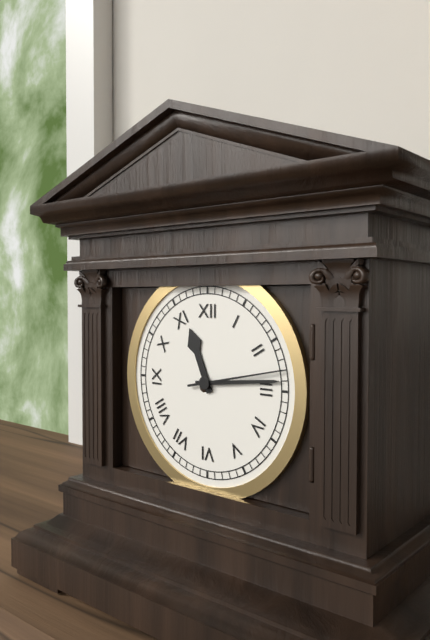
h=11 m=14 s=13
